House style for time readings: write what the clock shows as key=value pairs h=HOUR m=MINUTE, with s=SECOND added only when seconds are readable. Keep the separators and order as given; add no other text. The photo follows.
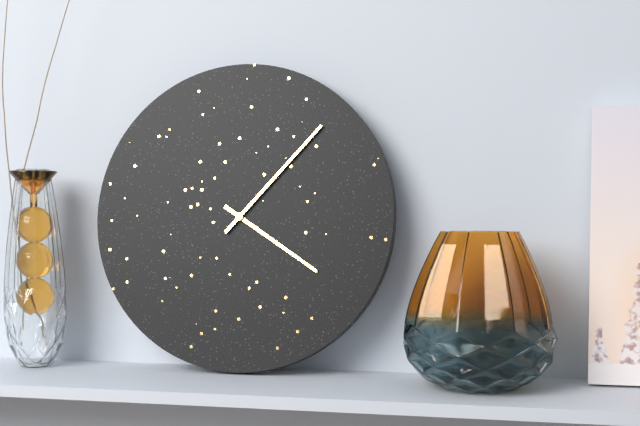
h=4 m=7
